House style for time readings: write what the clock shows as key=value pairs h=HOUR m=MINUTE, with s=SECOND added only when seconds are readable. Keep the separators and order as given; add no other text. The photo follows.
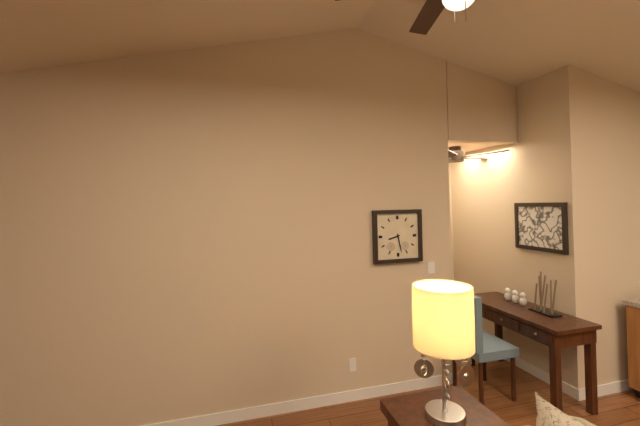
h=8 m=28
